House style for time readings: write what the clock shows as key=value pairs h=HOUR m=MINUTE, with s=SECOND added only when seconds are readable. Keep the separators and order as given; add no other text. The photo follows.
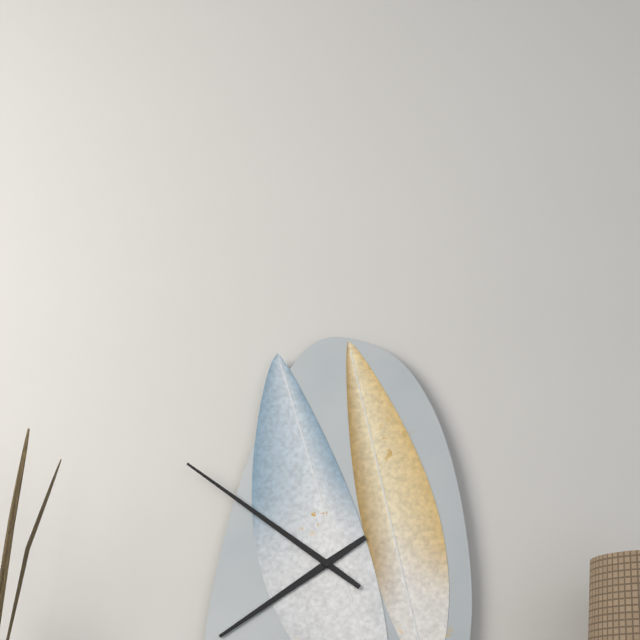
h=7 m=51
